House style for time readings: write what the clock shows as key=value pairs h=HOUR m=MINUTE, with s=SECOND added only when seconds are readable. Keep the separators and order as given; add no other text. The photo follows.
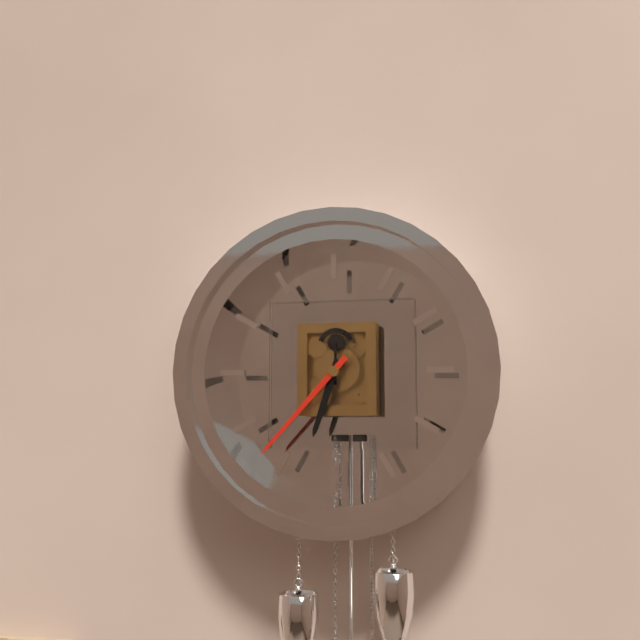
h=6 m=37
